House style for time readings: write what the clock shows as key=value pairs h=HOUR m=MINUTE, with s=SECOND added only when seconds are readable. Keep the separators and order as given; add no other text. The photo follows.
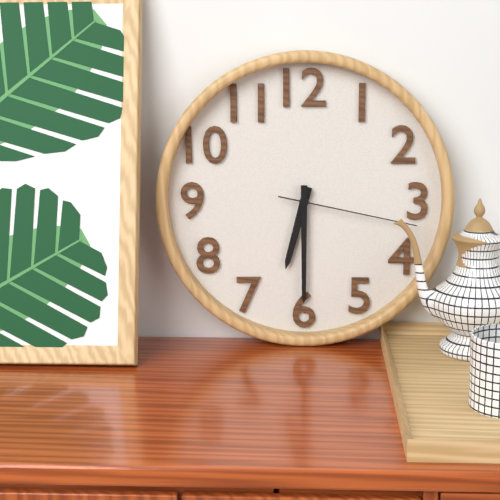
h=6 m=30 s=17
